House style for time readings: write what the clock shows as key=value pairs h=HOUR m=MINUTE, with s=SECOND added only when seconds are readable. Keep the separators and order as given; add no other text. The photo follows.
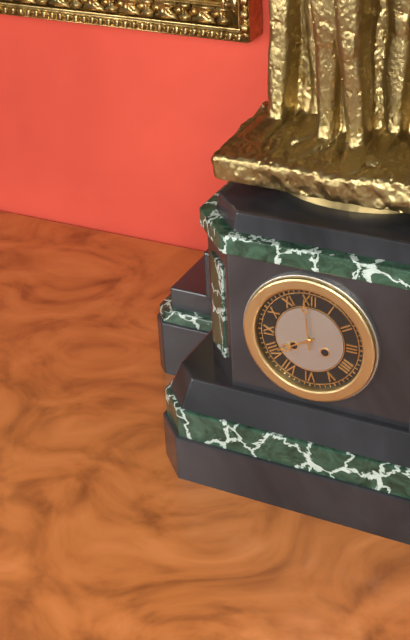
h=7 m=59
